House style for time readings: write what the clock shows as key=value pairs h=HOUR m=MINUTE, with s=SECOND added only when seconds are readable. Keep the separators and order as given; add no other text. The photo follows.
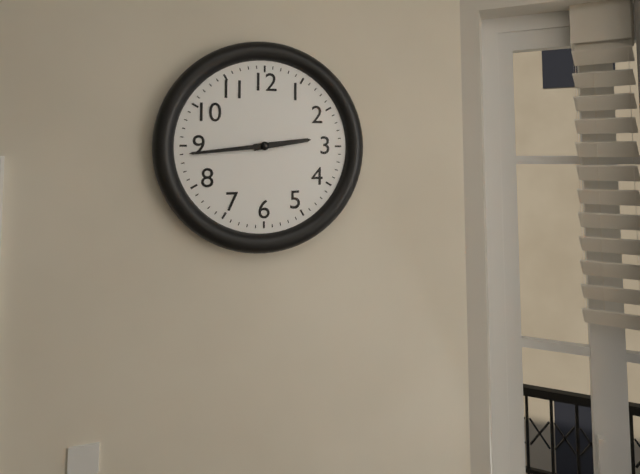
h=2 m=44
